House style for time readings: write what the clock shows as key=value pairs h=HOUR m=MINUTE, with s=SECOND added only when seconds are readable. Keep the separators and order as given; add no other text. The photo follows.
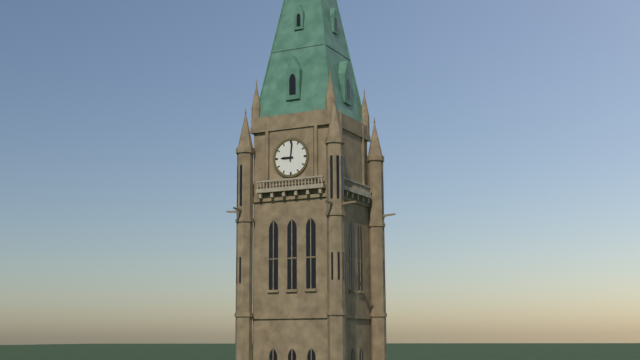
h=9 m=1
